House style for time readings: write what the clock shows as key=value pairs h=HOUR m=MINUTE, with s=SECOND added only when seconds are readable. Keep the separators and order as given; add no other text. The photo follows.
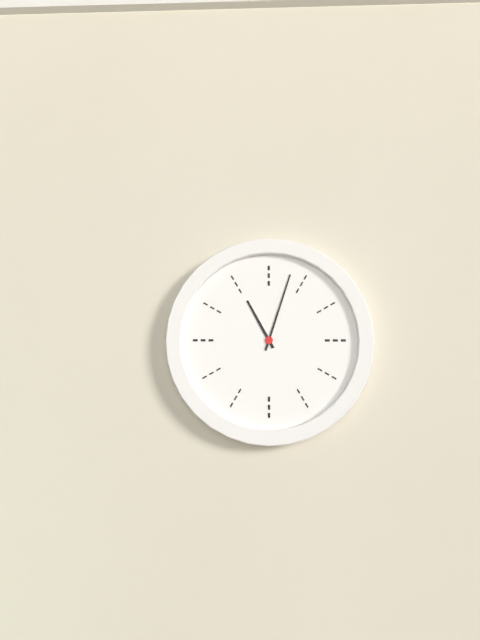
h=11 m=3
